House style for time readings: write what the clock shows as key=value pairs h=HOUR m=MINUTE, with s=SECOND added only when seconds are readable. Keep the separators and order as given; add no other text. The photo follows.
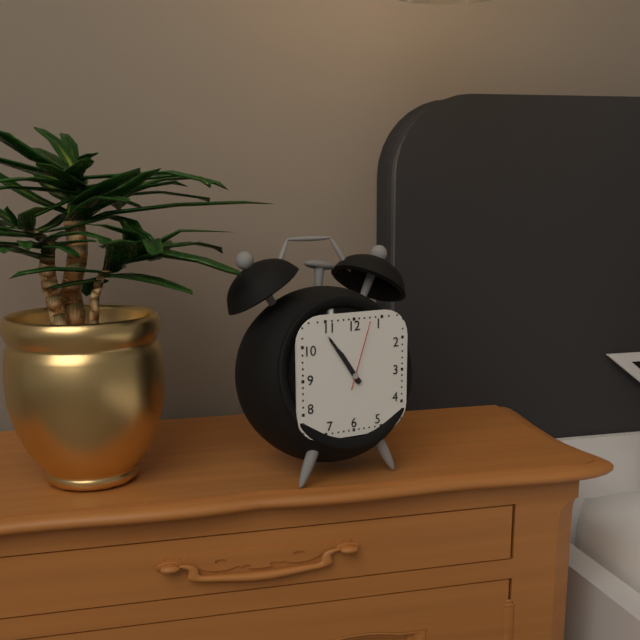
h=10 m=54 s=3
